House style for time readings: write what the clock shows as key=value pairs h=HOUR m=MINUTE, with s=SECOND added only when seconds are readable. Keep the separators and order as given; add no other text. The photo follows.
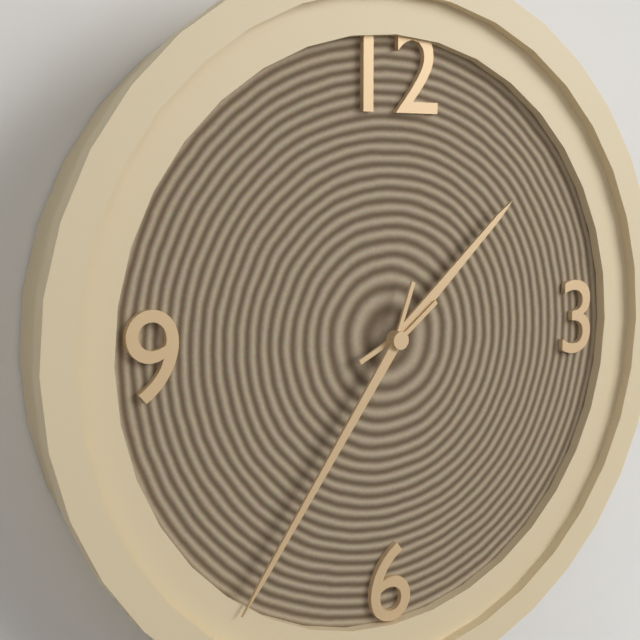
h=1 m=36
